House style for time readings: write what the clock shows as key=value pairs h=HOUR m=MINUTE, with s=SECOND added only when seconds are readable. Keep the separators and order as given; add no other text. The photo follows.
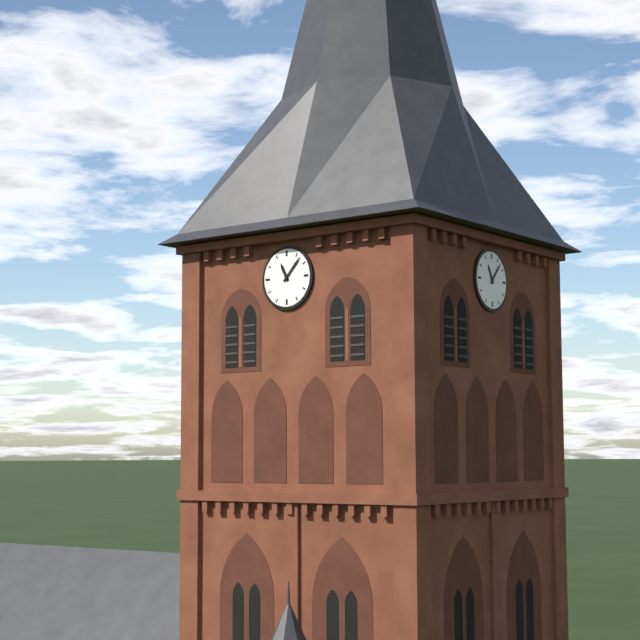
h=11 m=7
